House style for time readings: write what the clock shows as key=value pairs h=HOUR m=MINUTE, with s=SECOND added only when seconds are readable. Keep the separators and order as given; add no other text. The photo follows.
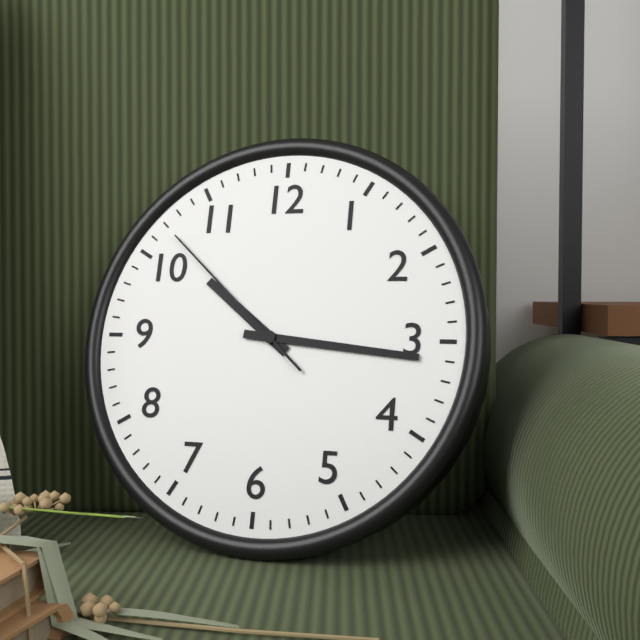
h=10 m=16 s=52
